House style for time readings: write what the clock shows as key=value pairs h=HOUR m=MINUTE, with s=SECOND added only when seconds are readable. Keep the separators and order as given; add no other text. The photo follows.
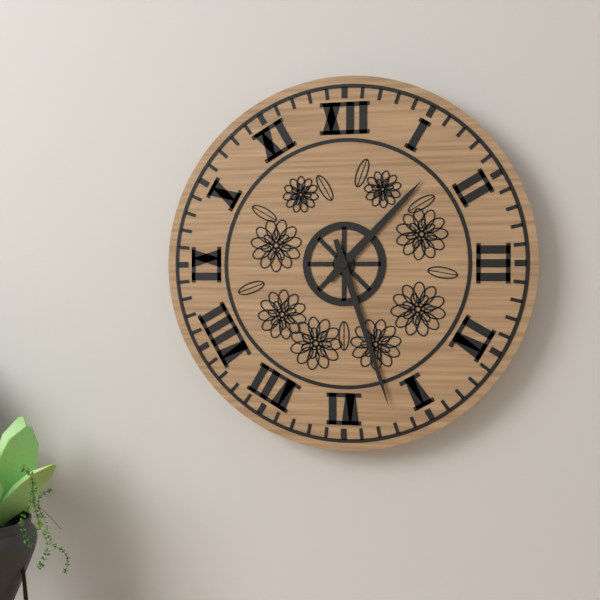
h=1 m=27
